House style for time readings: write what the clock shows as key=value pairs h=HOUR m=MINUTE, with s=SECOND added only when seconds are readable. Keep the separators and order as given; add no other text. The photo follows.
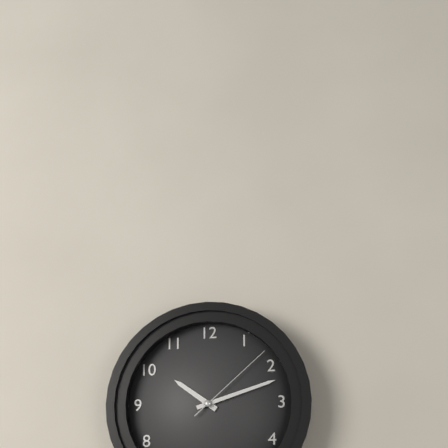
h=10 m=12 s=8
